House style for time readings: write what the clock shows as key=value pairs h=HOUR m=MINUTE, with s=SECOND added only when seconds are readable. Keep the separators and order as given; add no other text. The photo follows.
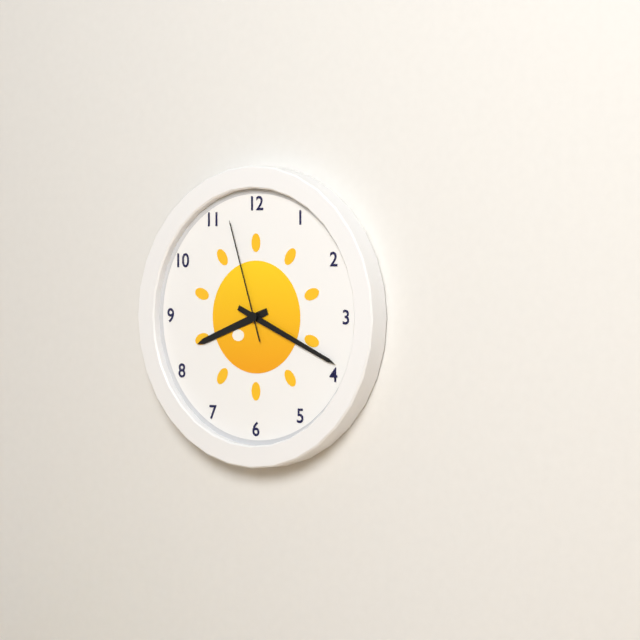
h=8 m=19 s=57
